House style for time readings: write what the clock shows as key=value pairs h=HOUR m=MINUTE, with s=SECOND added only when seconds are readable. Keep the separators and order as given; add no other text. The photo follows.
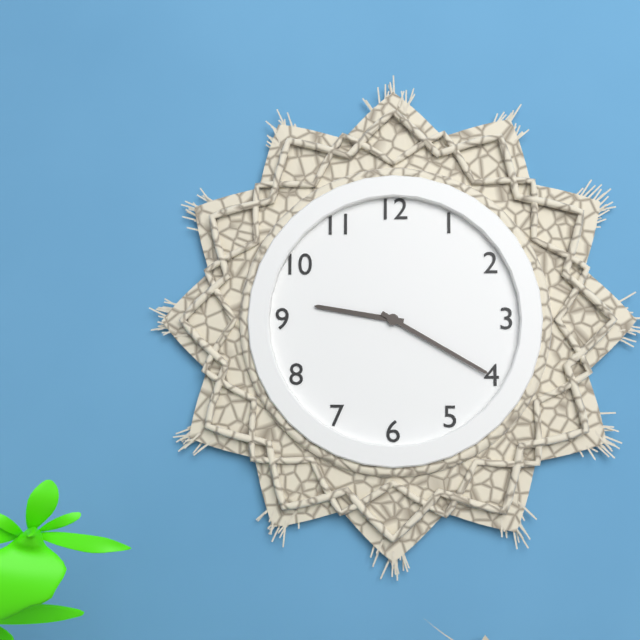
h=9 m=20
